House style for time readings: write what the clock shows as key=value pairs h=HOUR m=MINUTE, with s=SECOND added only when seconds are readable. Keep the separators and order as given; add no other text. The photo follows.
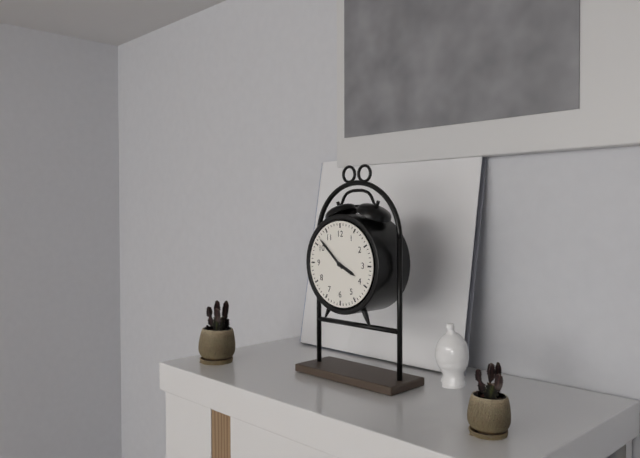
h=3 m=52
